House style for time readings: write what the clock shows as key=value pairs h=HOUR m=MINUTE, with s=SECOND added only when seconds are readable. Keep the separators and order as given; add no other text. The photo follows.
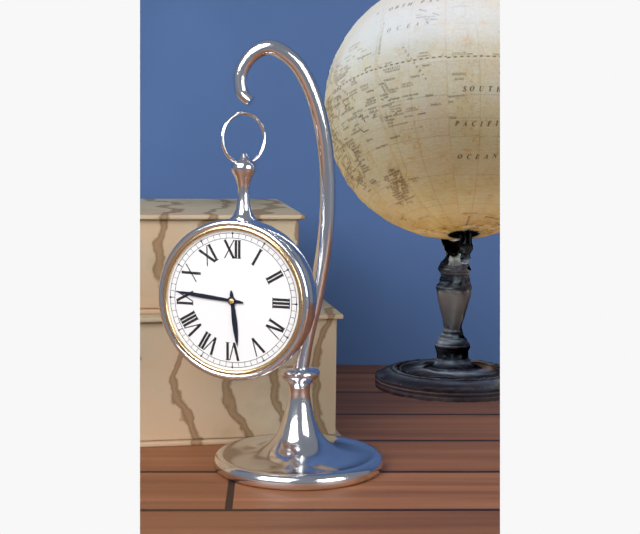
h=5 m=46
